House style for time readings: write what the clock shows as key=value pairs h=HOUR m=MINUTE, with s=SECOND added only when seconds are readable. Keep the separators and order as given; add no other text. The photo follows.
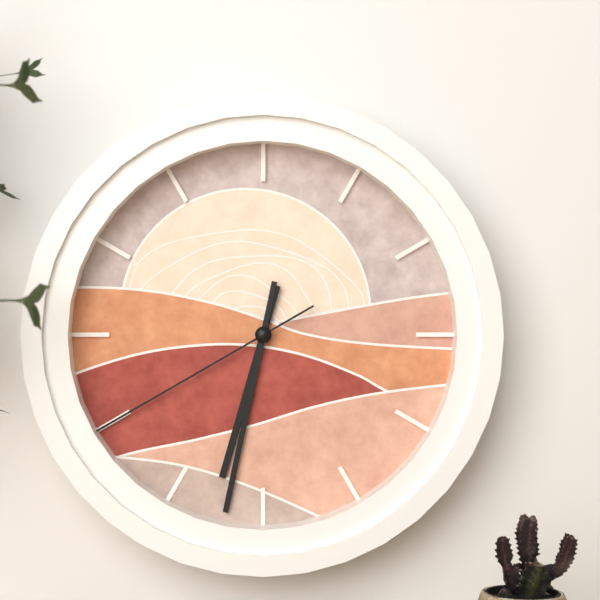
h=6 m=32 s=40
